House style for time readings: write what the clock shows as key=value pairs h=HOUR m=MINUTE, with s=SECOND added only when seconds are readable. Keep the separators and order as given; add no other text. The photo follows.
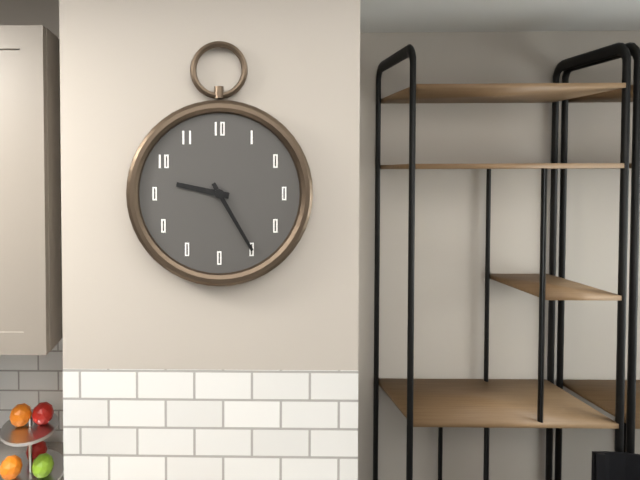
h=9 m=25
